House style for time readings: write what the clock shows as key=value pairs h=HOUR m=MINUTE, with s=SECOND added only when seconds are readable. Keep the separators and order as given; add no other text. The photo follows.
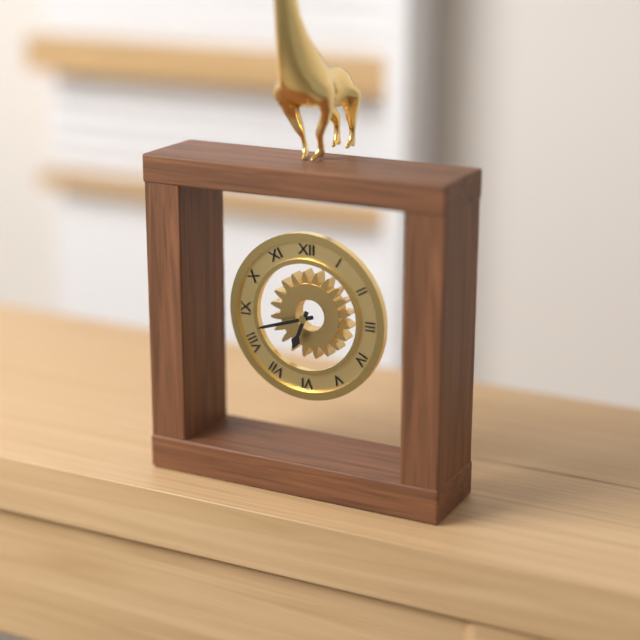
h=6 m=42
